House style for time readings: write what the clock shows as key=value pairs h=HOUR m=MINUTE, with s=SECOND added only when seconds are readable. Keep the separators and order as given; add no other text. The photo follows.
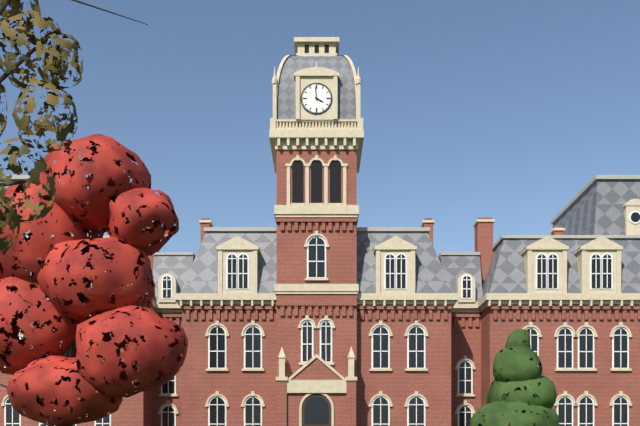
h=3 m=59
